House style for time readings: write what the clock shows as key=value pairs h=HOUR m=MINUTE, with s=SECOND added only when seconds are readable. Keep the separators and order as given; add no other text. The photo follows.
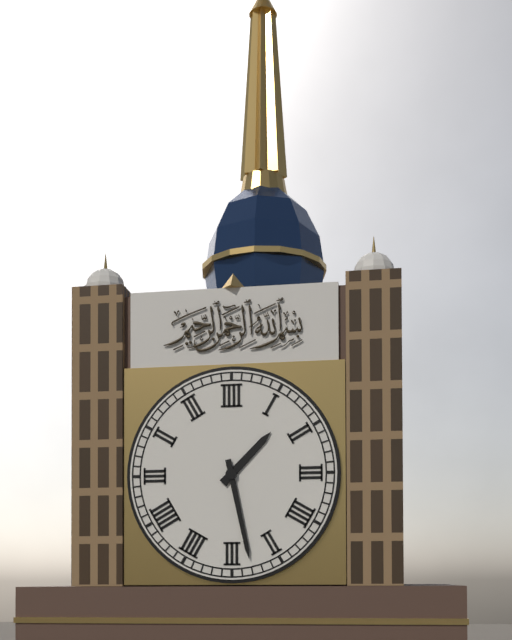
h=1 m=28
